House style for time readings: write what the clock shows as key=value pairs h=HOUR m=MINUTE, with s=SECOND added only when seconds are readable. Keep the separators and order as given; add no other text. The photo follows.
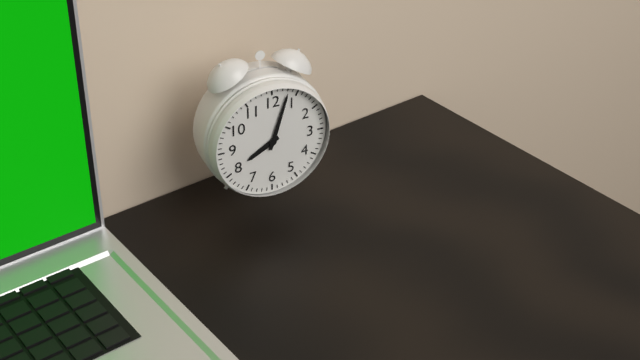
h=8 m=3
